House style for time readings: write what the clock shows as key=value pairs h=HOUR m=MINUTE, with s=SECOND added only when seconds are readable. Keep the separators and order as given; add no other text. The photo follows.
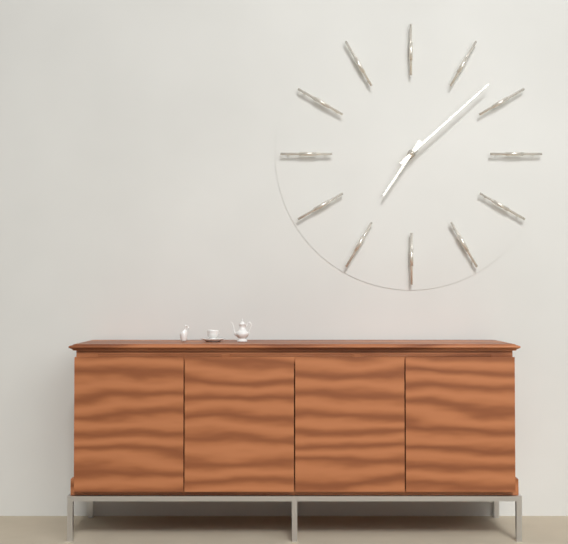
h=7 m=8
